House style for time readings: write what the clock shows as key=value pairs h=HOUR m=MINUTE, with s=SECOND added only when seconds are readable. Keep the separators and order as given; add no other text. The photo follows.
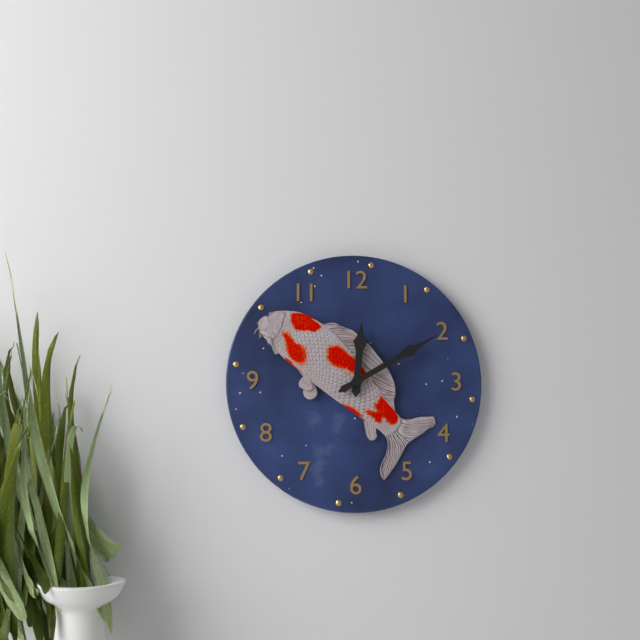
h=12 m=10
